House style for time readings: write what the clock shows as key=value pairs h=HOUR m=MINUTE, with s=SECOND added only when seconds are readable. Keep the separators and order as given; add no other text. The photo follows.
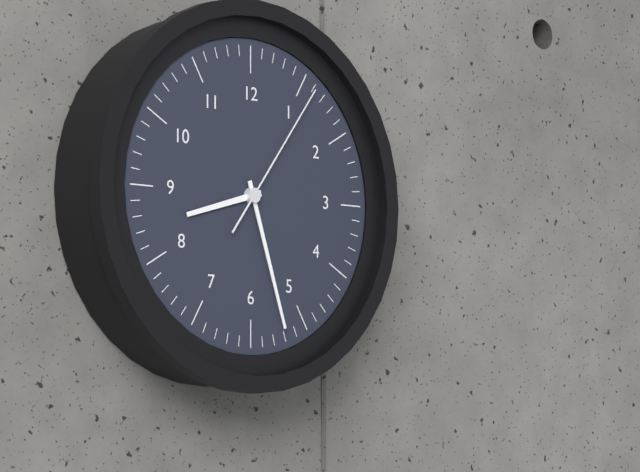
h=8 m=27 s=6
